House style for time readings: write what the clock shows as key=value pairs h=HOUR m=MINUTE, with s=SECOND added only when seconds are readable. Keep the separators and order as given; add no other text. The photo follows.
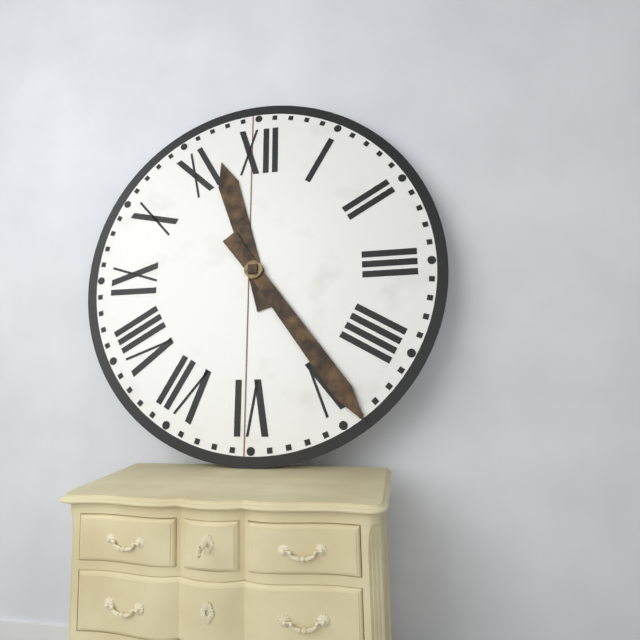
h=11 m=24
